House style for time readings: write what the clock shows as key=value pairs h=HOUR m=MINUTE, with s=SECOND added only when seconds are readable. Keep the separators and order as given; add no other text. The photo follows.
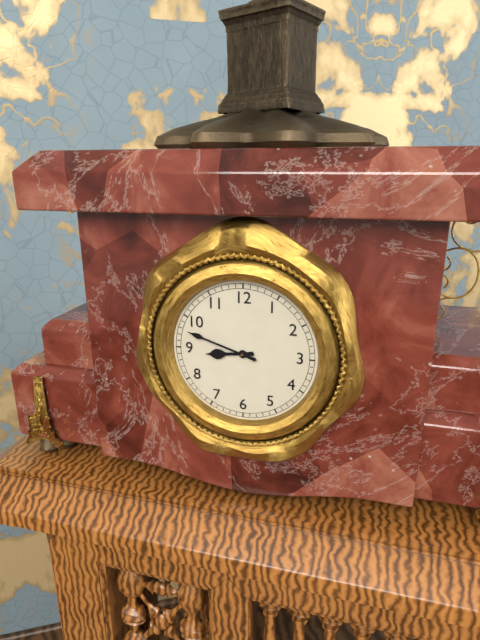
h=8 m=48
